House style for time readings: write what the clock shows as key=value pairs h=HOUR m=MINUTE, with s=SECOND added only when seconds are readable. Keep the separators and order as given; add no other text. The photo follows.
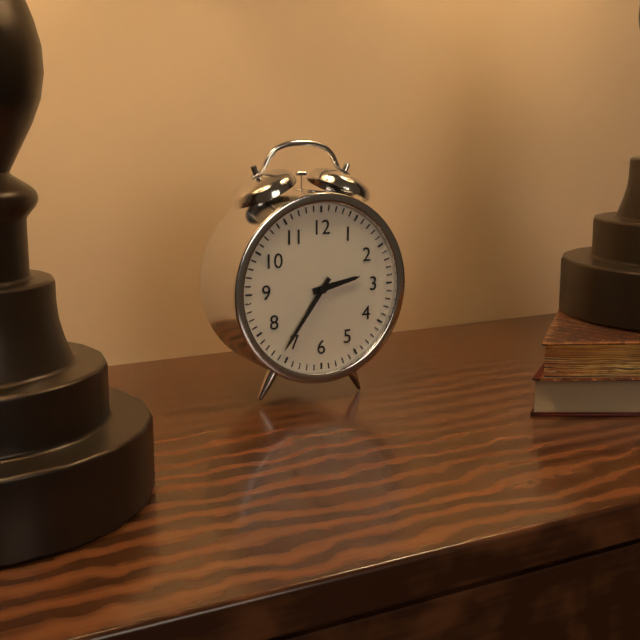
h=2 m=36
